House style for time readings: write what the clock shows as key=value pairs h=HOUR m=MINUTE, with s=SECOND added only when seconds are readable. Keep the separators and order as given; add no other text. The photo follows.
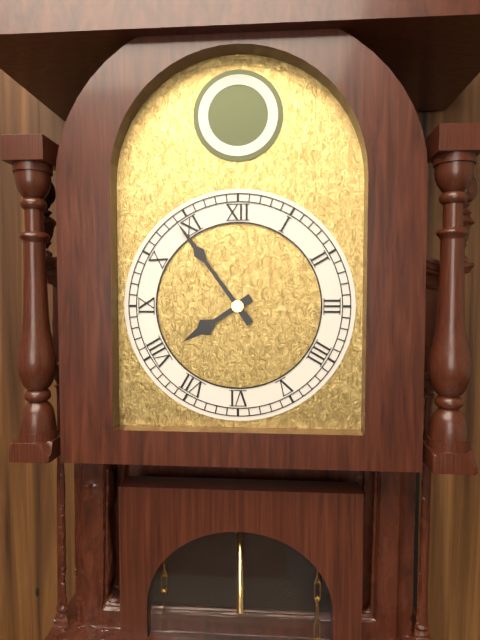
h=7 m=54
